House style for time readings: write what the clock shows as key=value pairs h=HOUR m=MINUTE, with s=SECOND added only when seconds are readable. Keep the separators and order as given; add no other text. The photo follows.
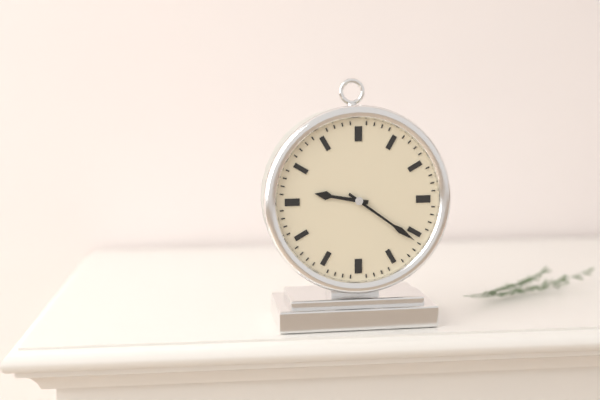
h=9 m=21
